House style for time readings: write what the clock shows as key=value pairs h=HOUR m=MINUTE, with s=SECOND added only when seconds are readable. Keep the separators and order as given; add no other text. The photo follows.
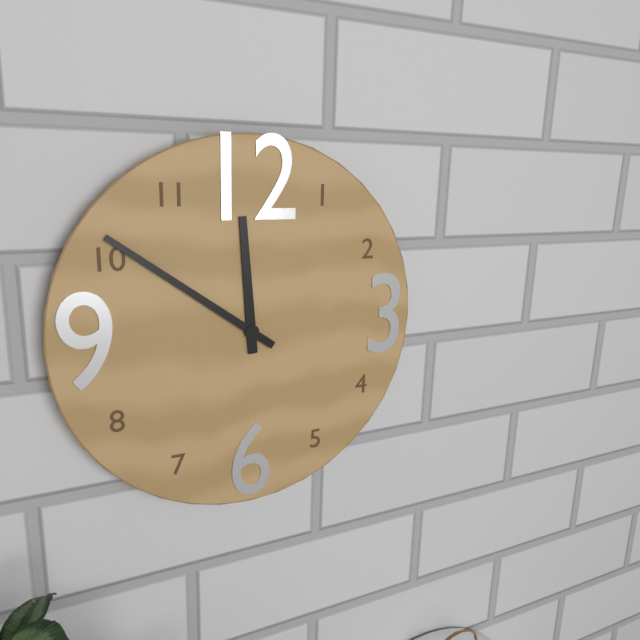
h=11 m=51
